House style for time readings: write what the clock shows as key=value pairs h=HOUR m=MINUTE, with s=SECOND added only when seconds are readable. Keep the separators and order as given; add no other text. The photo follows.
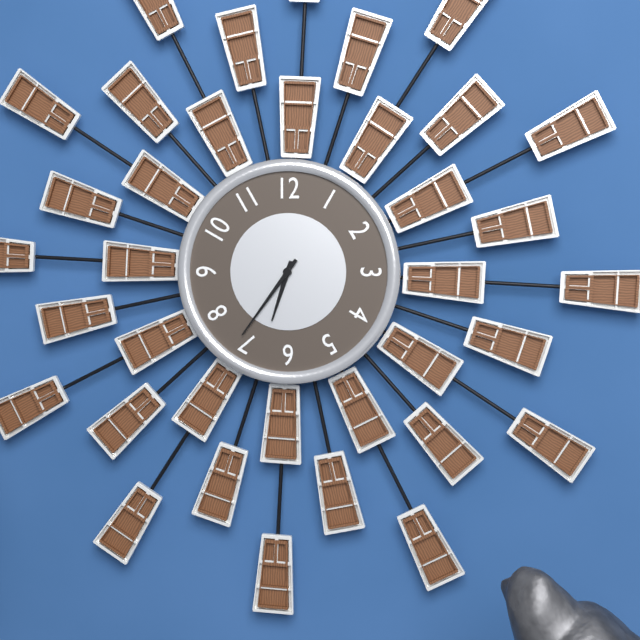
h=6 m=36
